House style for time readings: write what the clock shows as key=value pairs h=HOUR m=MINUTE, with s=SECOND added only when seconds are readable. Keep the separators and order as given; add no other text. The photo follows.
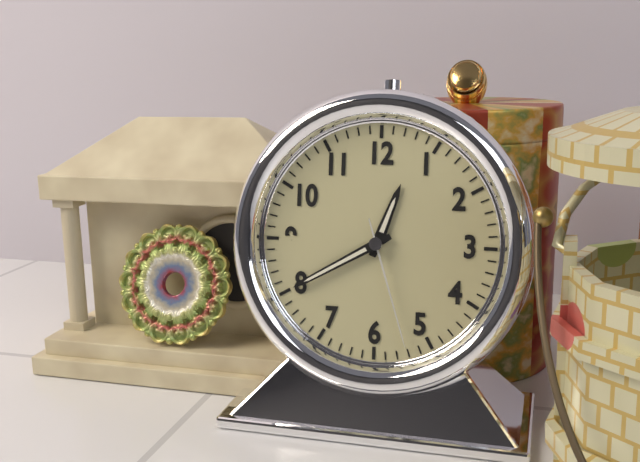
h=12 m=40 s=27
